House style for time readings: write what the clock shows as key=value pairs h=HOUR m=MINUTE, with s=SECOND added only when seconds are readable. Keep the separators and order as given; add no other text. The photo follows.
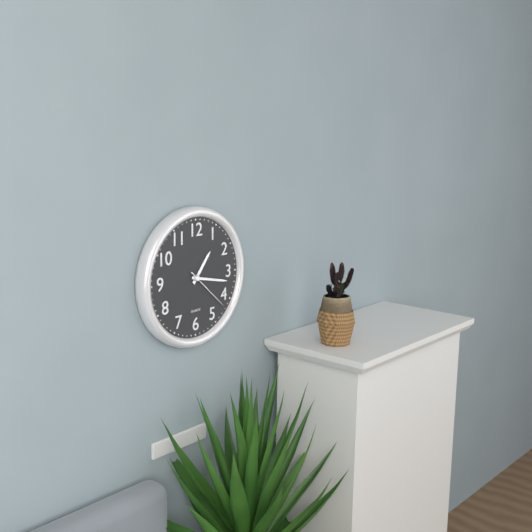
h=1 m=17
